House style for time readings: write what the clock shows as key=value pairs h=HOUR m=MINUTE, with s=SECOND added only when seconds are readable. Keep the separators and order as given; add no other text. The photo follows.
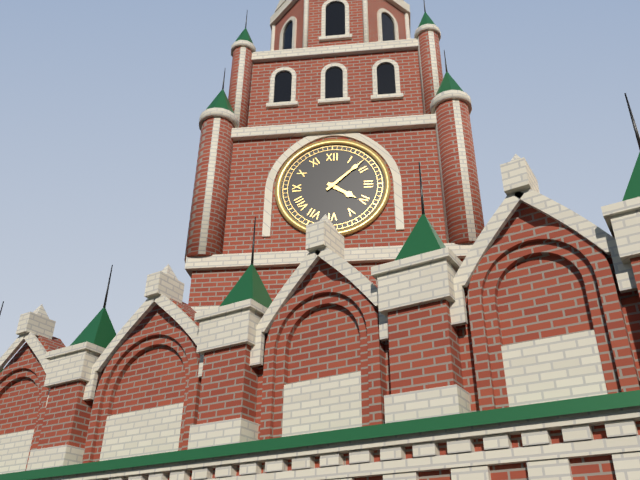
h=4 m=8
